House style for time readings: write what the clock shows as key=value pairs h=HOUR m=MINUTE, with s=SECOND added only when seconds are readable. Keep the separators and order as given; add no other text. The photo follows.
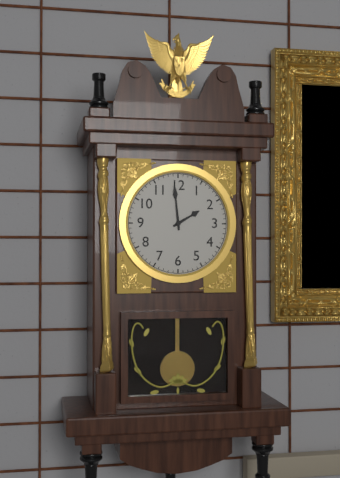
h=1 m=59
